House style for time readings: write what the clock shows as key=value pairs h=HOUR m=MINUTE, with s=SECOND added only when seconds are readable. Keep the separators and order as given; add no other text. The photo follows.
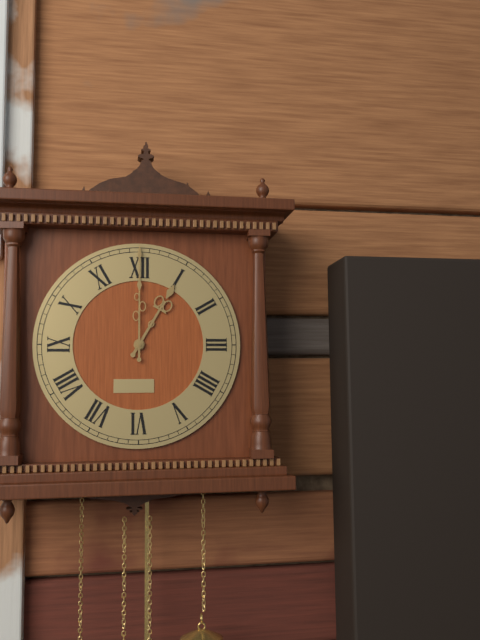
h=1 m=0
